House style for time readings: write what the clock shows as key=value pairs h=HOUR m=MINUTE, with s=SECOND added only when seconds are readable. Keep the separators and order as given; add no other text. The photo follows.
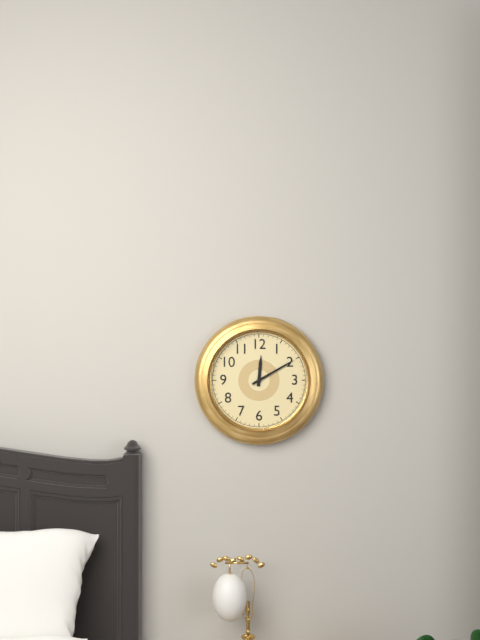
h=12 m=10
